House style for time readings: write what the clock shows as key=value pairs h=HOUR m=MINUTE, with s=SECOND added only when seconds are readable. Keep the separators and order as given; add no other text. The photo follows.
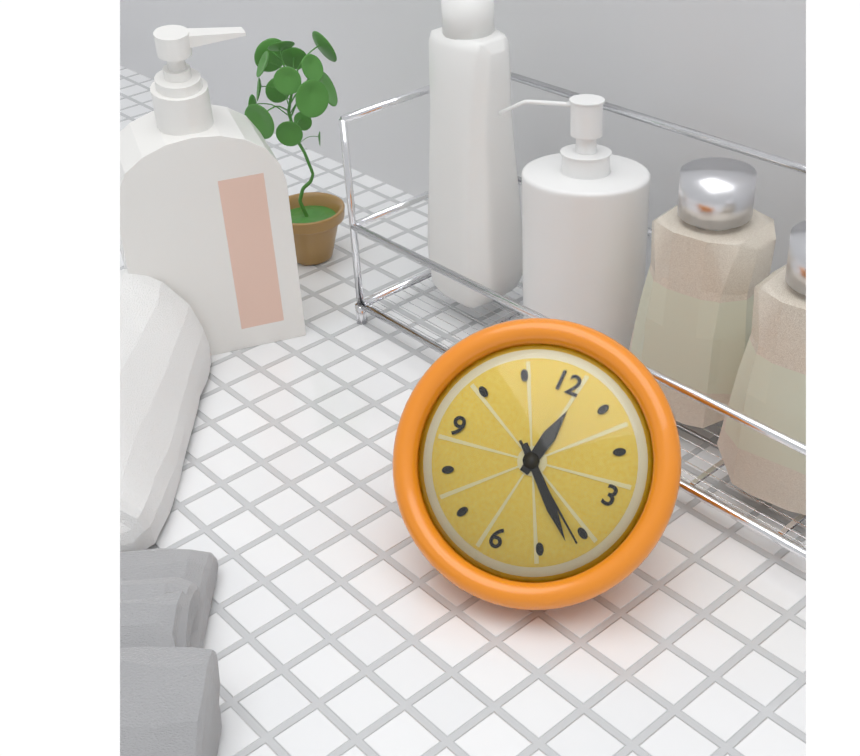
h=12 m=22 s=21
